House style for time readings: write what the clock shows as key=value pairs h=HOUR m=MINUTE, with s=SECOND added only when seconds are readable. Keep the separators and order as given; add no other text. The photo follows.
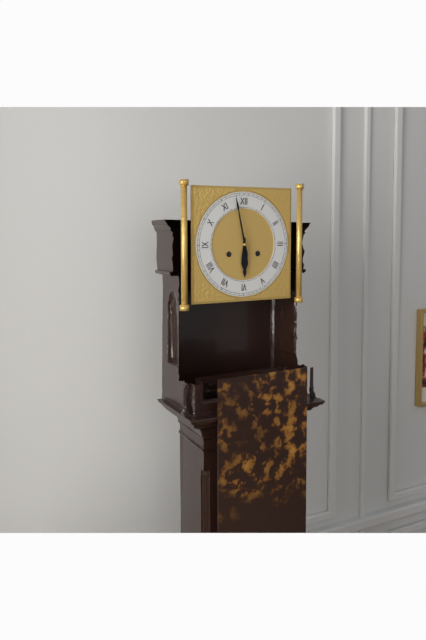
h=5 m=58
